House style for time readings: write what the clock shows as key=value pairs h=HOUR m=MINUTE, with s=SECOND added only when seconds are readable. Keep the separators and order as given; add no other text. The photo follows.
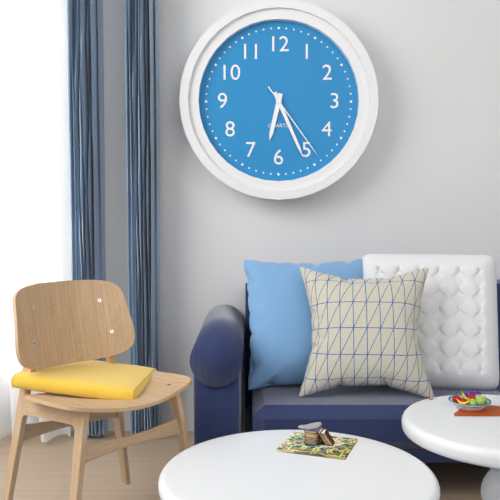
h=6 m=26 s=24
